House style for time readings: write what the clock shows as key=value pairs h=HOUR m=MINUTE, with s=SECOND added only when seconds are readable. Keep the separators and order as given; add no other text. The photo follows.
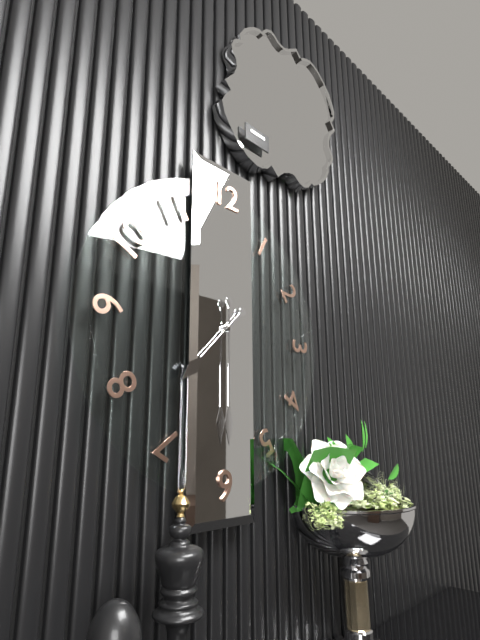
h=7 m=30
